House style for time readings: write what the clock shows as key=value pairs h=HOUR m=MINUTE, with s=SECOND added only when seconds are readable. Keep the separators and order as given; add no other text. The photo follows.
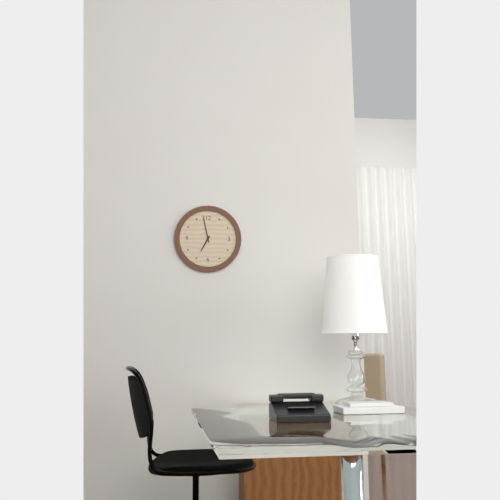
h=6 m=58
